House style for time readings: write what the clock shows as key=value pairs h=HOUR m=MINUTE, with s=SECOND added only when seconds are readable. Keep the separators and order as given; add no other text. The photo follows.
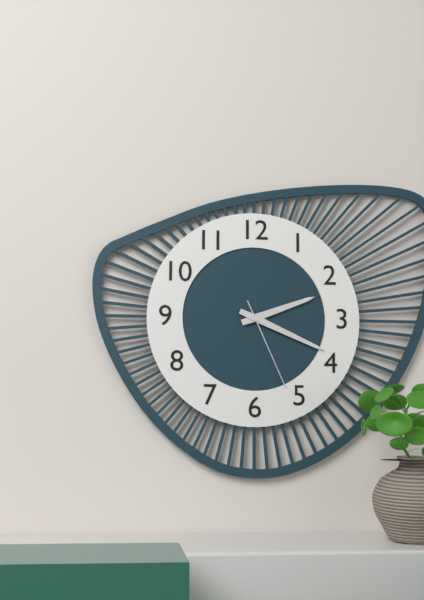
h=2 m=19 s=26
